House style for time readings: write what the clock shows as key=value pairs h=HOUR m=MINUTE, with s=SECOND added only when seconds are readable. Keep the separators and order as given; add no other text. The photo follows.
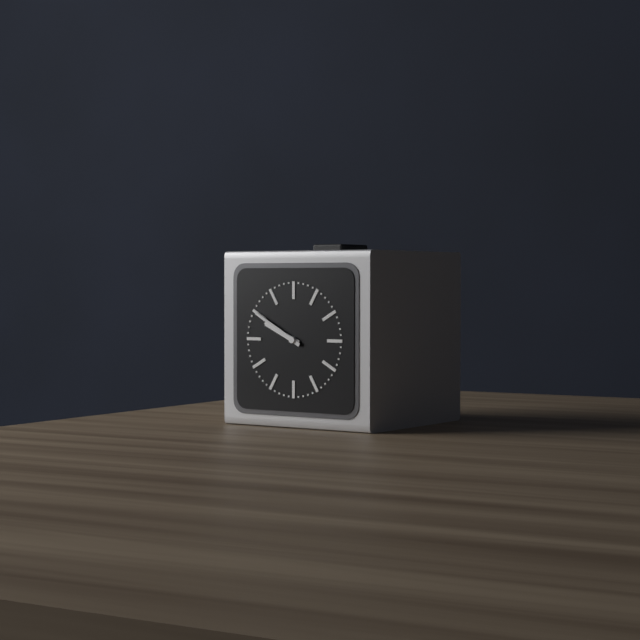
h=9 m=50
